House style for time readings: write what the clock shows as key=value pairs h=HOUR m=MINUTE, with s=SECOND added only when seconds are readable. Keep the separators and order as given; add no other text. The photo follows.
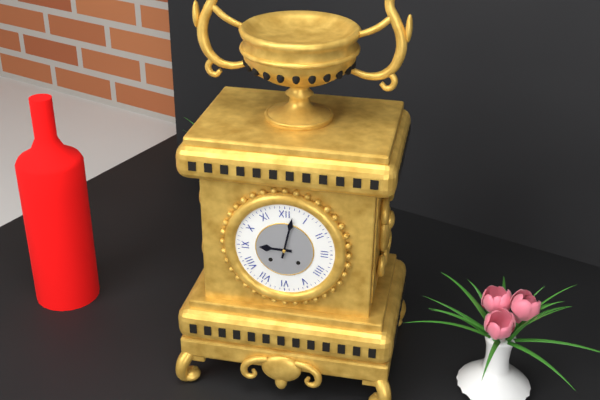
h=9 m=2
